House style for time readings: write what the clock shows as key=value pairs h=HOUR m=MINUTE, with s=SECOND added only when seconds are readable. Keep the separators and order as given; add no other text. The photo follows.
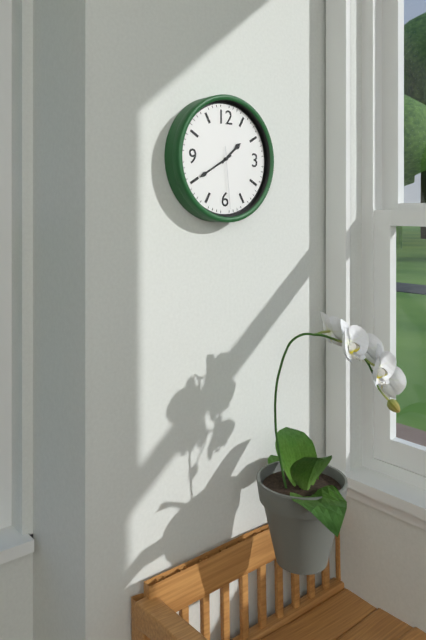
h=1 m=40 s=29
